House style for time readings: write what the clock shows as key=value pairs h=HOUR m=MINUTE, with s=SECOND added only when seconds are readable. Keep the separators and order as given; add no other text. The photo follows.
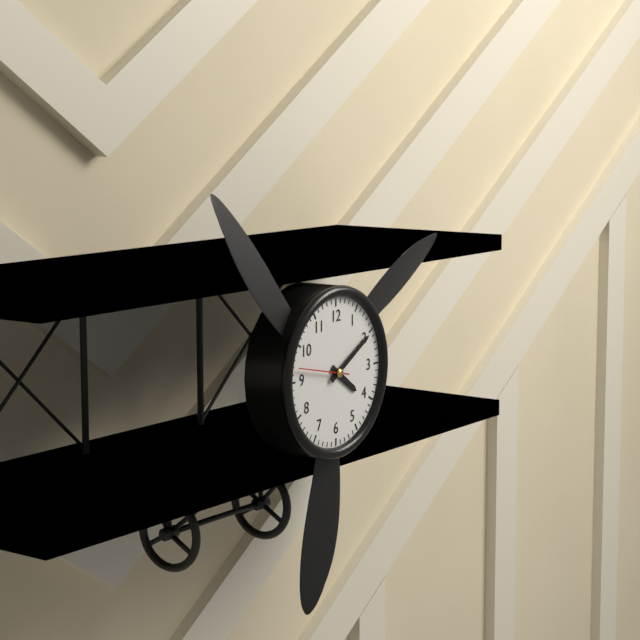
h=4 m=10
